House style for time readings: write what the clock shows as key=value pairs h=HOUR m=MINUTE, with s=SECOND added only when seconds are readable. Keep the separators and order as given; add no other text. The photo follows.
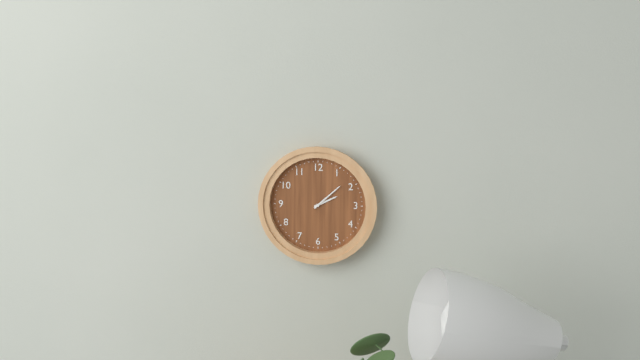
h=2 m=8
